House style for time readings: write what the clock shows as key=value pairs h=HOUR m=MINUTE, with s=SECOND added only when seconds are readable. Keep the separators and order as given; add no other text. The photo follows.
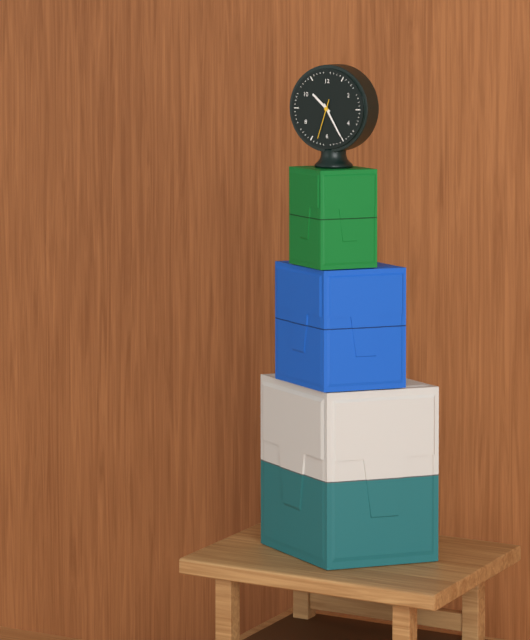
h=10 m=25
